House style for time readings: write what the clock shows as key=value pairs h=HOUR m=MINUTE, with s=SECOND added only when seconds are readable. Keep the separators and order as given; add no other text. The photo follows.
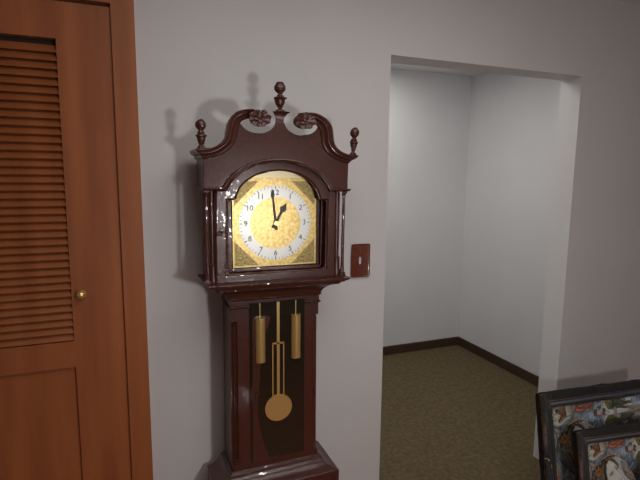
h=12 m=59
